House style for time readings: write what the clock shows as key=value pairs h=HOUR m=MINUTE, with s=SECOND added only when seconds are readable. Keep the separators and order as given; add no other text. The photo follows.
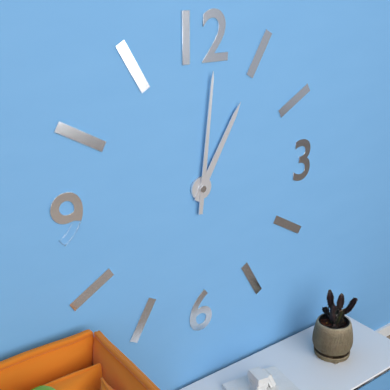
h=1 m=1
